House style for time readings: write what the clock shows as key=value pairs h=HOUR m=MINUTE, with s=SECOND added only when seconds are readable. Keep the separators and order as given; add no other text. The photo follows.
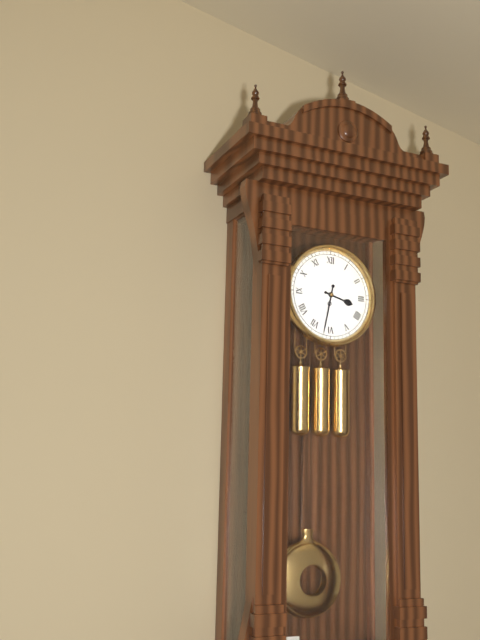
h=3 m=32
